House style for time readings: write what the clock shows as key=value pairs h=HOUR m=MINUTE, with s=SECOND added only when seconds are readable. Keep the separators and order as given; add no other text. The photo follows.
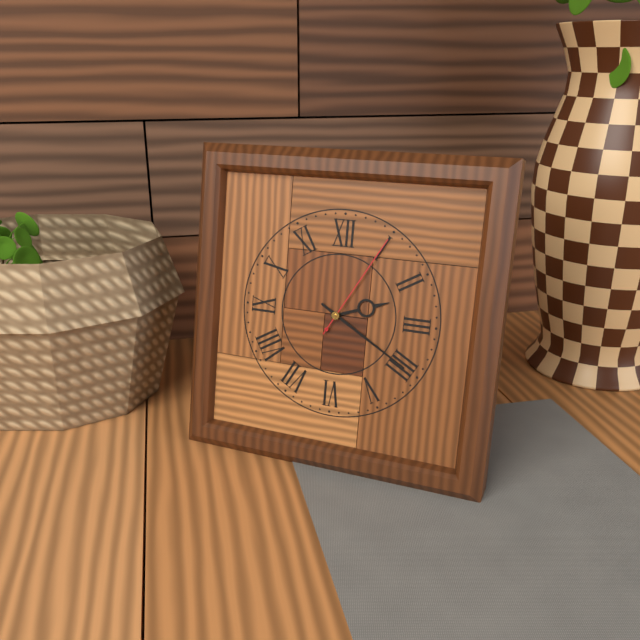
h=2 m=20 s=5
